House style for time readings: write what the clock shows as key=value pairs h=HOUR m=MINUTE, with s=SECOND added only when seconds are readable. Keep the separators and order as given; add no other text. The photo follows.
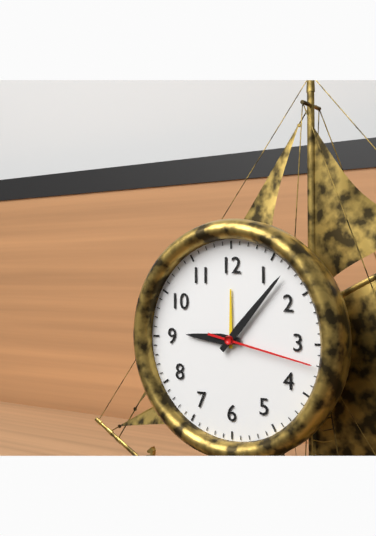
h=9 m=7 s=17
